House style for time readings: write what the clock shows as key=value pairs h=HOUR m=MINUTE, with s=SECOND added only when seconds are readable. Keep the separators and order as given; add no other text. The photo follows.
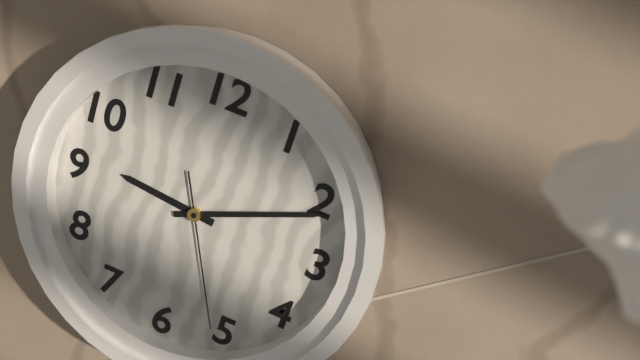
h=9 m=11 s=26
